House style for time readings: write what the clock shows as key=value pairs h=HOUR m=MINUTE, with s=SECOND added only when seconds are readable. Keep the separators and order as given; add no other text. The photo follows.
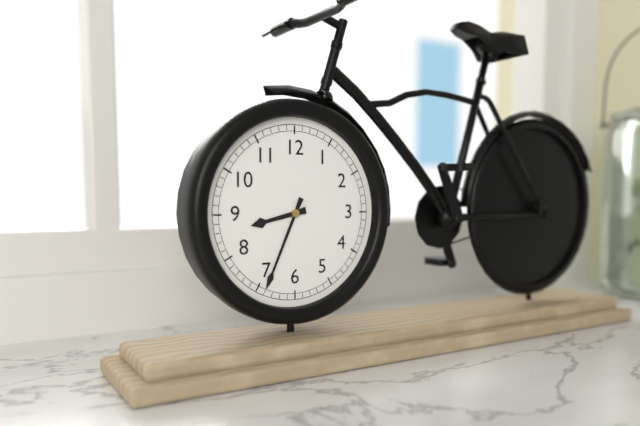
h=8 m=34
